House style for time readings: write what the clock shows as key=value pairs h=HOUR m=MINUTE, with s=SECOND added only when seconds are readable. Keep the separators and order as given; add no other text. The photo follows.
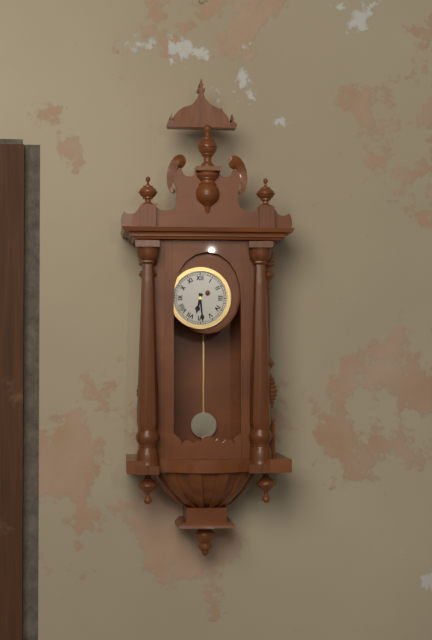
h=6 m=29
